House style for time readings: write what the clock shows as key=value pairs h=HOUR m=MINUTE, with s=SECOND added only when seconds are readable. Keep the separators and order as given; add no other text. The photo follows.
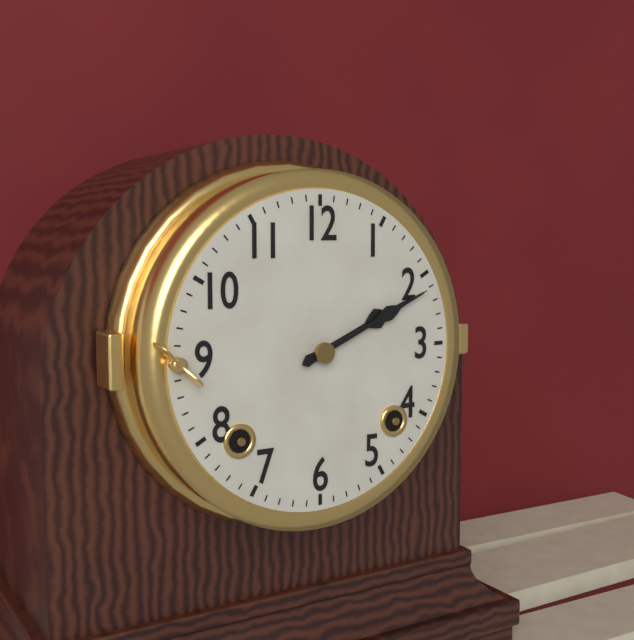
h=2 m=11
